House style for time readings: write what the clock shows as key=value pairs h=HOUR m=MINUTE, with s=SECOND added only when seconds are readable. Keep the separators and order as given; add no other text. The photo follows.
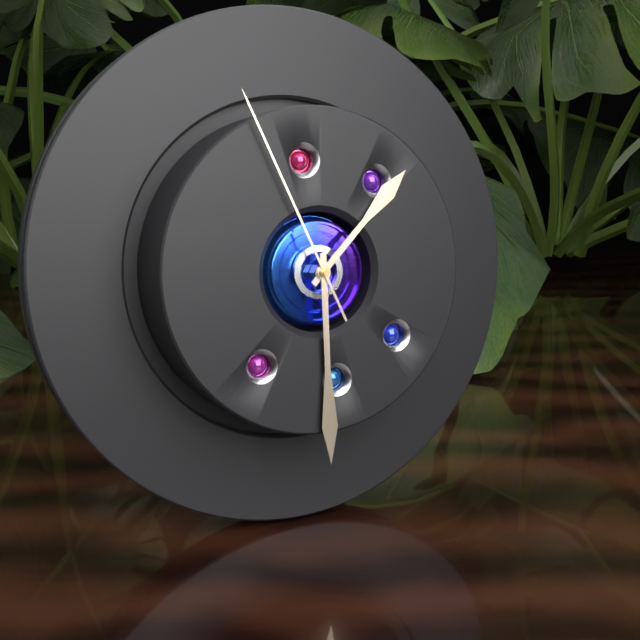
h=1 m=30 s=56
